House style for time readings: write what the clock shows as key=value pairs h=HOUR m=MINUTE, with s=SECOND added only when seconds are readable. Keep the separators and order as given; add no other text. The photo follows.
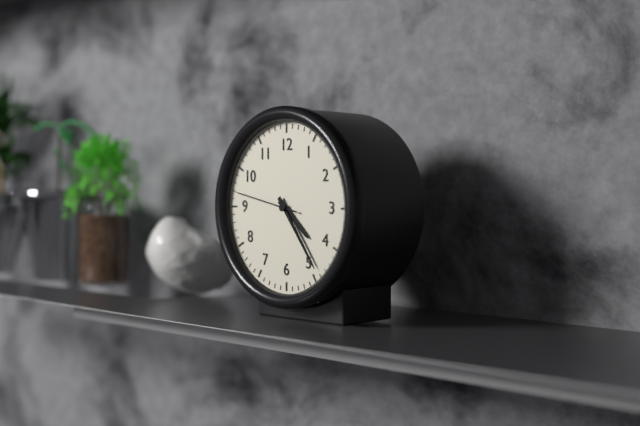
h=4 m=24 s=47
